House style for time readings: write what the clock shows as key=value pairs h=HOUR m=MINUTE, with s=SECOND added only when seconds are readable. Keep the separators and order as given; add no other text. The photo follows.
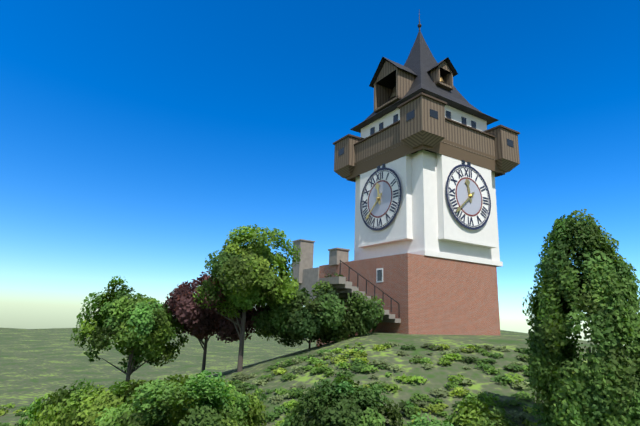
h=11 m=38
